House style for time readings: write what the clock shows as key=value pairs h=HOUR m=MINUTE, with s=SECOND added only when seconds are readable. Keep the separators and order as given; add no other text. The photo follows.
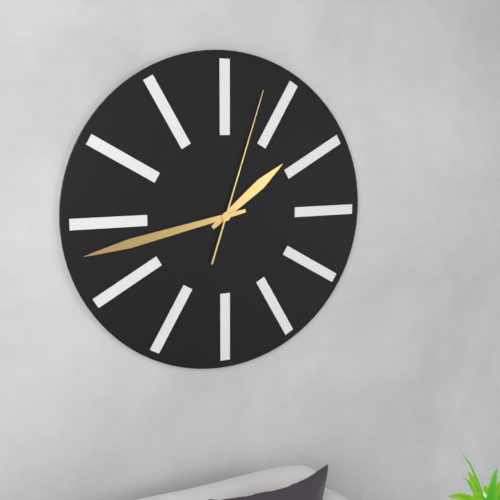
h=1 m=43 s=3
